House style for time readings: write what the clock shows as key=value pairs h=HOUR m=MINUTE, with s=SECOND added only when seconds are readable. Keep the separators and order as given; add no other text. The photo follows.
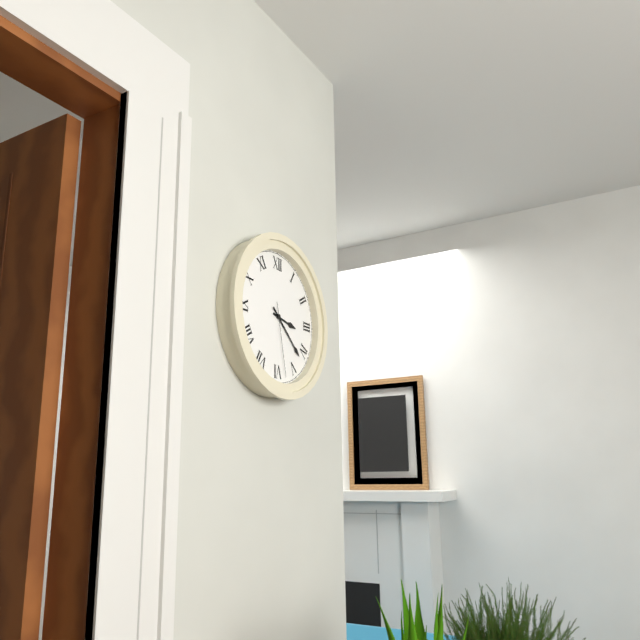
h=3 m=22 s=28
